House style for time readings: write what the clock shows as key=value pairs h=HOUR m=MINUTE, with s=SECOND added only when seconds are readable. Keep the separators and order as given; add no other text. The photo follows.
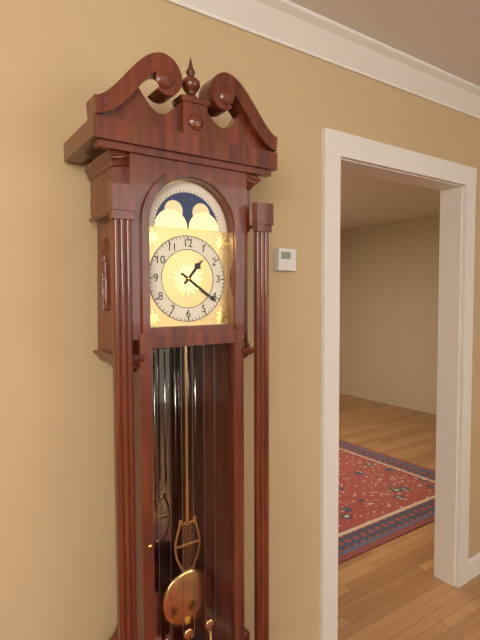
h=1 m=21
